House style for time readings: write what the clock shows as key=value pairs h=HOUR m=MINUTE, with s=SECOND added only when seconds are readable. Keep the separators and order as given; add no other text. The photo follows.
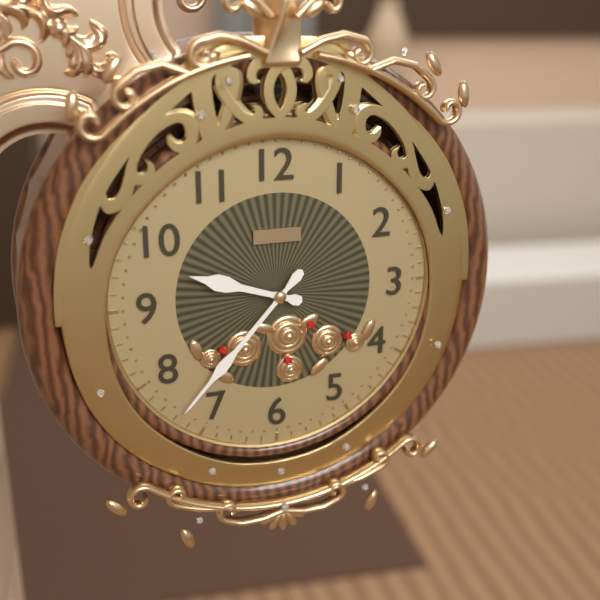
h=9 m=37
